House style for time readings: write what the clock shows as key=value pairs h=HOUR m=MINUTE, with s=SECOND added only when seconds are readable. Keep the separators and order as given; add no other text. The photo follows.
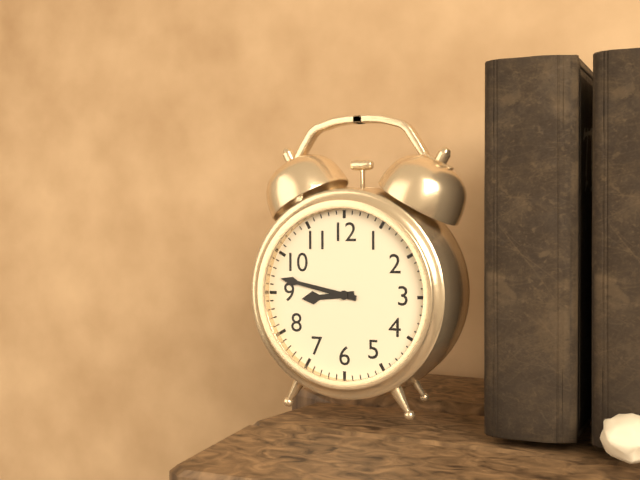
h=8 m=47
